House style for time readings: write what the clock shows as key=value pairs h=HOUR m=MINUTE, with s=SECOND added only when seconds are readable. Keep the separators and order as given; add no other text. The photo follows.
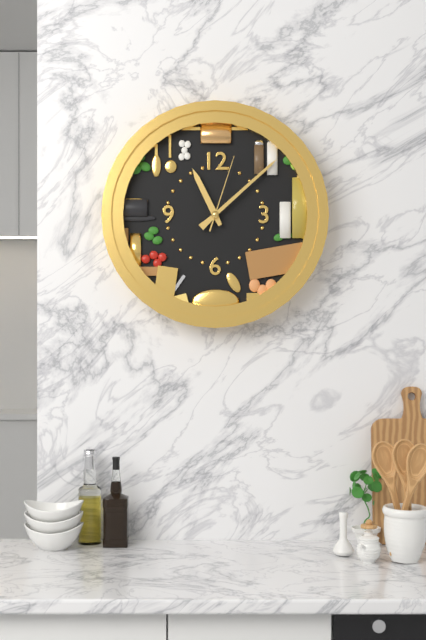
h=11 m=8 s=3
